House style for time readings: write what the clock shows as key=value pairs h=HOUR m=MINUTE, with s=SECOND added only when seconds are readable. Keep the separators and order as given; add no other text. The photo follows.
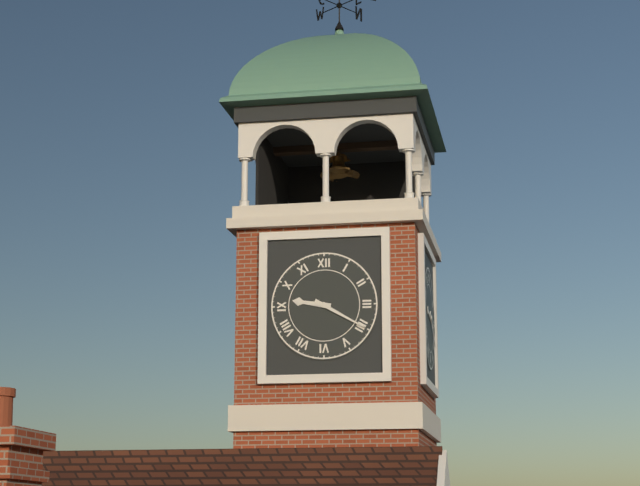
h=9 m=20
